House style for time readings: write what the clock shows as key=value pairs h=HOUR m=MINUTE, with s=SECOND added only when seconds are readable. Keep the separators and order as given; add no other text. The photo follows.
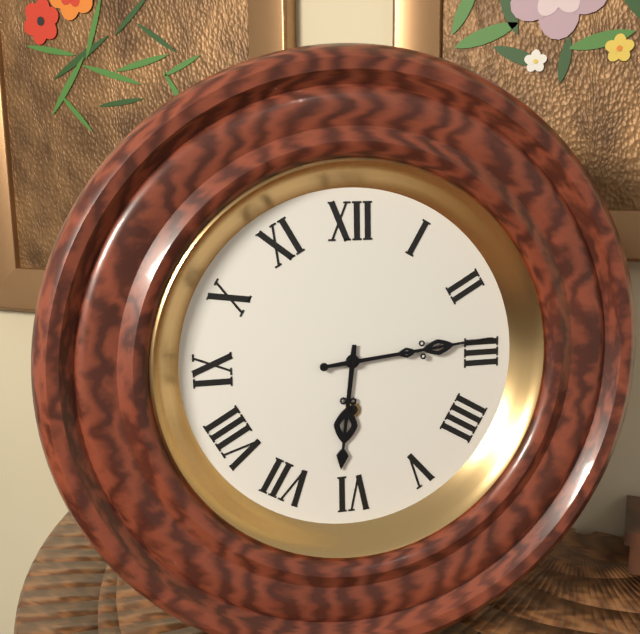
h=6 m=14
